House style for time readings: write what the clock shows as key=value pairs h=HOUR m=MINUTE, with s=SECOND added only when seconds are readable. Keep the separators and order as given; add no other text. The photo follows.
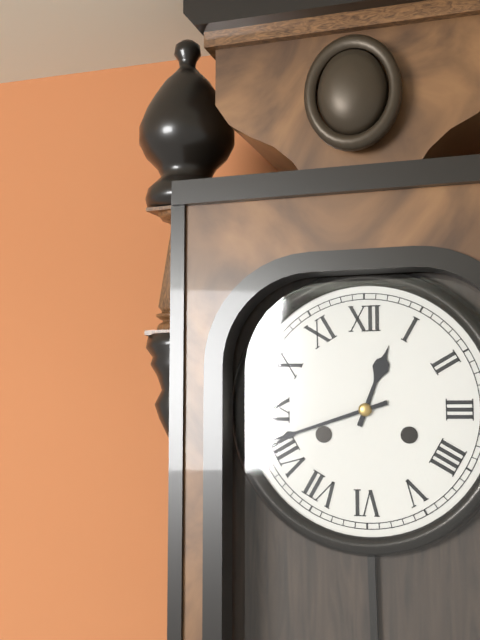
h=12 m=42
